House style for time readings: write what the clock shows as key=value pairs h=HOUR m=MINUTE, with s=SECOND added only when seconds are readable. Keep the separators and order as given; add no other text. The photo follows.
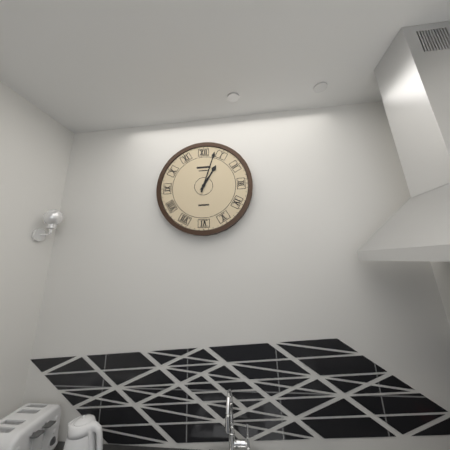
h=1 m=3
